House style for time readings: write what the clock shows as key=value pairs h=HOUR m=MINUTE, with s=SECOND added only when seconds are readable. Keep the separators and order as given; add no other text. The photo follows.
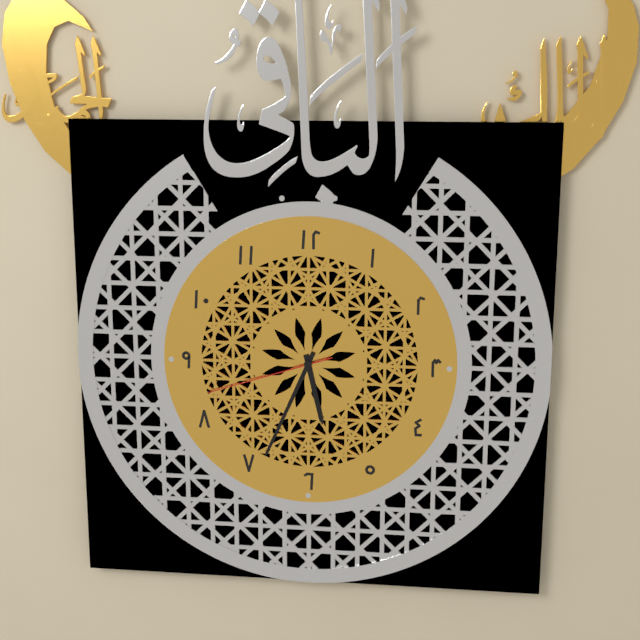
h=5 m=34 s=42
